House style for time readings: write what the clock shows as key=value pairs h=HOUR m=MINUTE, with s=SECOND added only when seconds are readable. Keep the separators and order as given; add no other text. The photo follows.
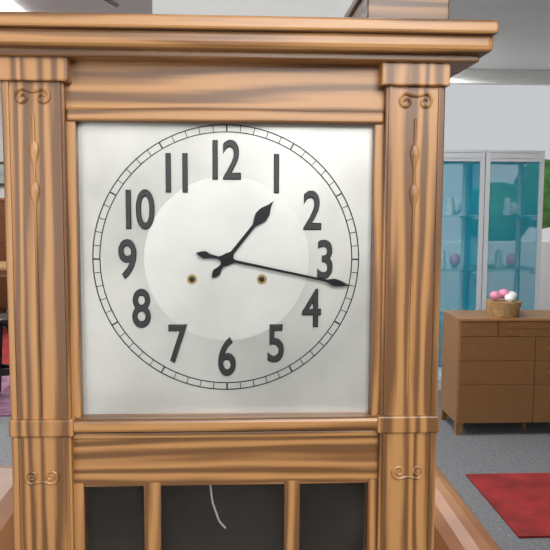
h=1 m=17
